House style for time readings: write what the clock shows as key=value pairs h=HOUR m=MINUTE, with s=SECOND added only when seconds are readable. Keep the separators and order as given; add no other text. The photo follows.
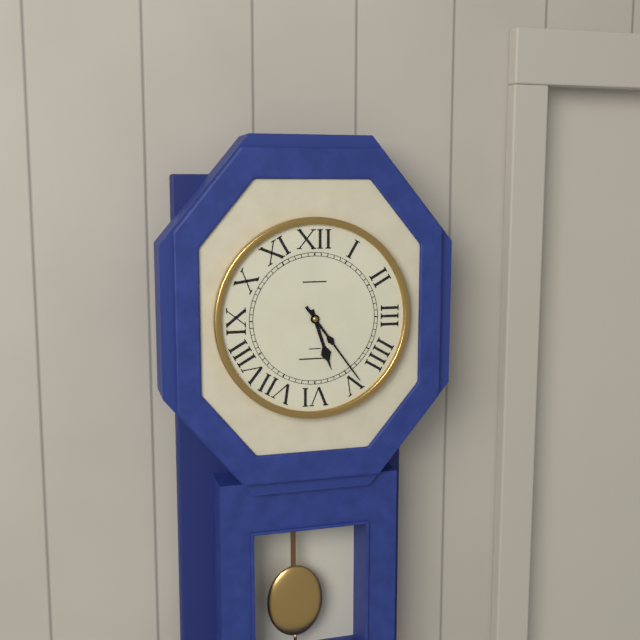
h=5 m=24
